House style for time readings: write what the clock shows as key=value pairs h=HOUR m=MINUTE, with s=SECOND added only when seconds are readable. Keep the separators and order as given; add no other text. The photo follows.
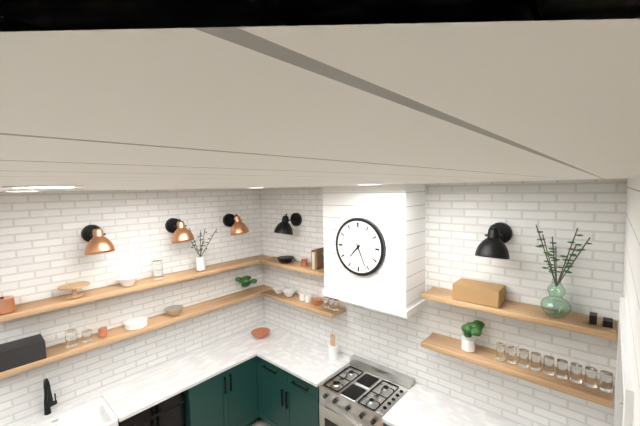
h=7 m=26
